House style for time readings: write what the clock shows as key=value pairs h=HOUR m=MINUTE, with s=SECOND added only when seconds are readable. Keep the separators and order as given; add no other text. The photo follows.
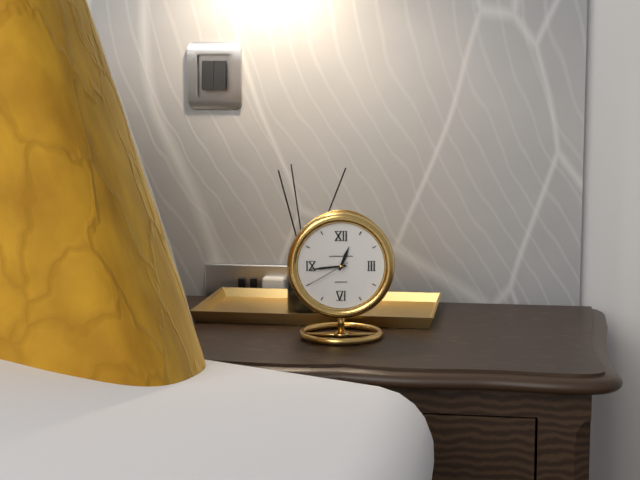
h=12 m=44
